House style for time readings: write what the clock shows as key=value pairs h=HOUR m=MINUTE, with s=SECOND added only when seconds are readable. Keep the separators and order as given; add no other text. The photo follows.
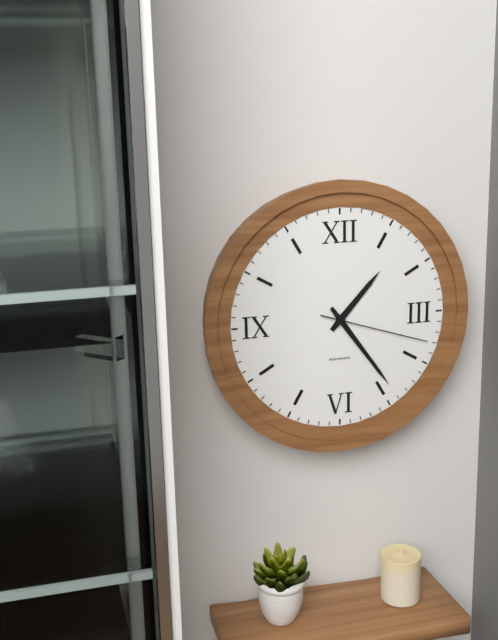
h=1 m=24 s=18
